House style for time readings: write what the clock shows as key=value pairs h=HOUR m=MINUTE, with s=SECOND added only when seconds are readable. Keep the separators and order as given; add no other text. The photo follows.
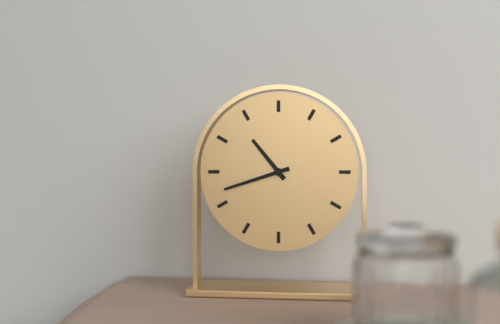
h=10 m=42
